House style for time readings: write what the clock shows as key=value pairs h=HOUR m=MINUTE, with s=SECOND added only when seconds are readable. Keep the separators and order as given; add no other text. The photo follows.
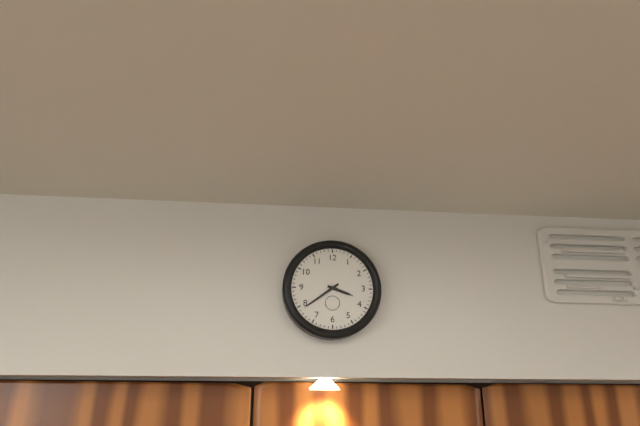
h=3 m=39
